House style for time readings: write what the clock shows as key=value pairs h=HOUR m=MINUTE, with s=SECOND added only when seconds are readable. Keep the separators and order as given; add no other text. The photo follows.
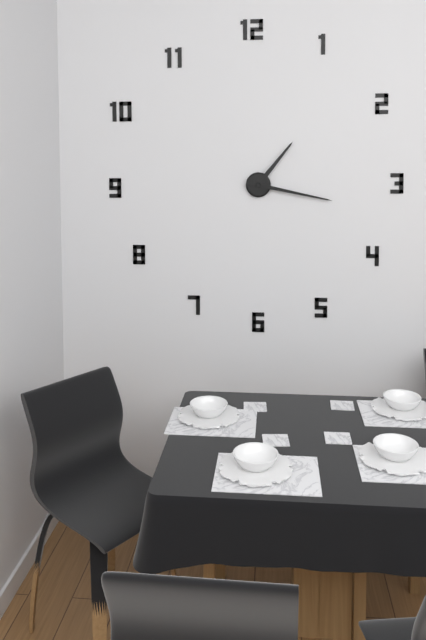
h=1 m=17
